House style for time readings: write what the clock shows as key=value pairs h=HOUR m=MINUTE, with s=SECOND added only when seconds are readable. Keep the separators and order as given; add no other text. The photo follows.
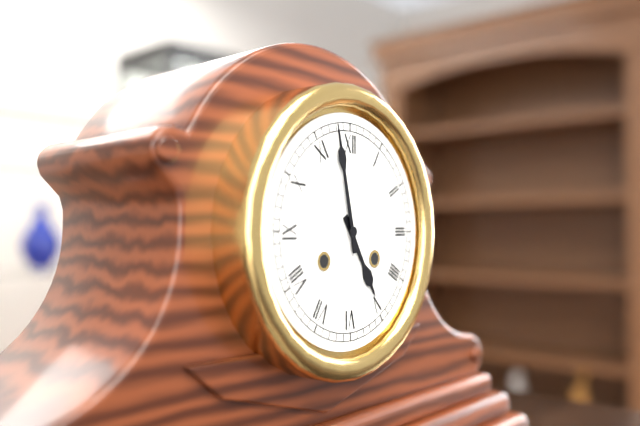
h=4 m=58
